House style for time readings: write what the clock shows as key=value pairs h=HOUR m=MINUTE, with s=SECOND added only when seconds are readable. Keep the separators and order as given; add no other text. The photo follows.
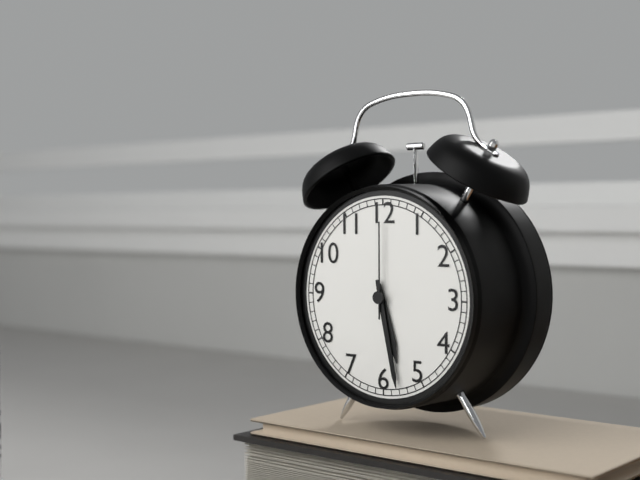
h=5 m=28 s=0
